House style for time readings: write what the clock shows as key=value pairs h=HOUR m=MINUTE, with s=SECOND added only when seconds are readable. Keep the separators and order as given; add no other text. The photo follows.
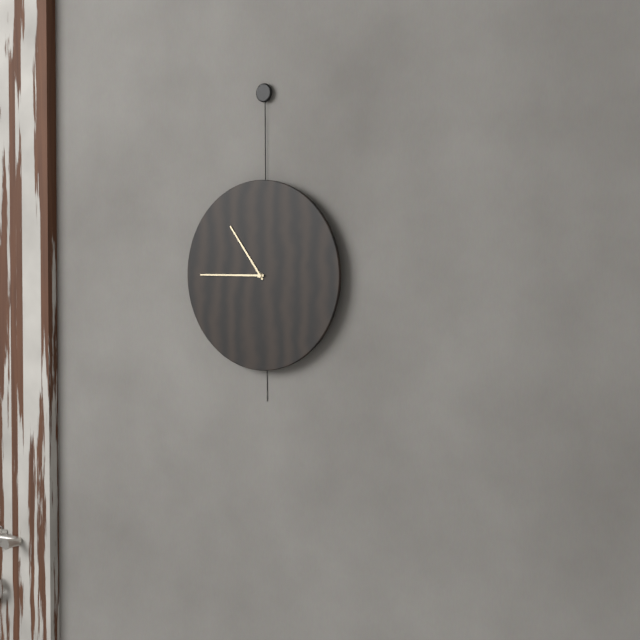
h=10 m=45
